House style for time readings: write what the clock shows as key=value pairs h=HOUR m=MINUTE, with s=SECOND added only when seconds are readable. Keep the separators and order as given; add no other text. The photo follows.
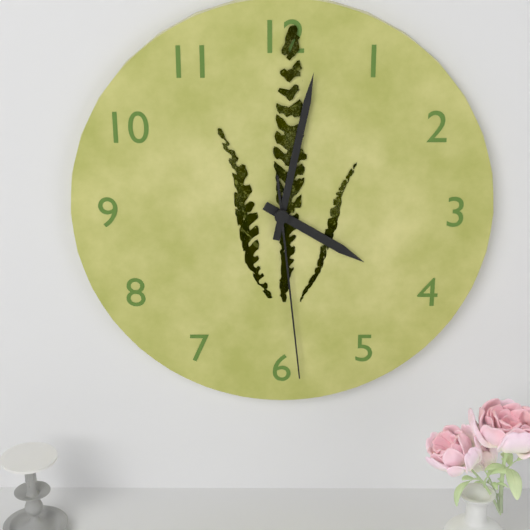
h=4 m=2 s=29
